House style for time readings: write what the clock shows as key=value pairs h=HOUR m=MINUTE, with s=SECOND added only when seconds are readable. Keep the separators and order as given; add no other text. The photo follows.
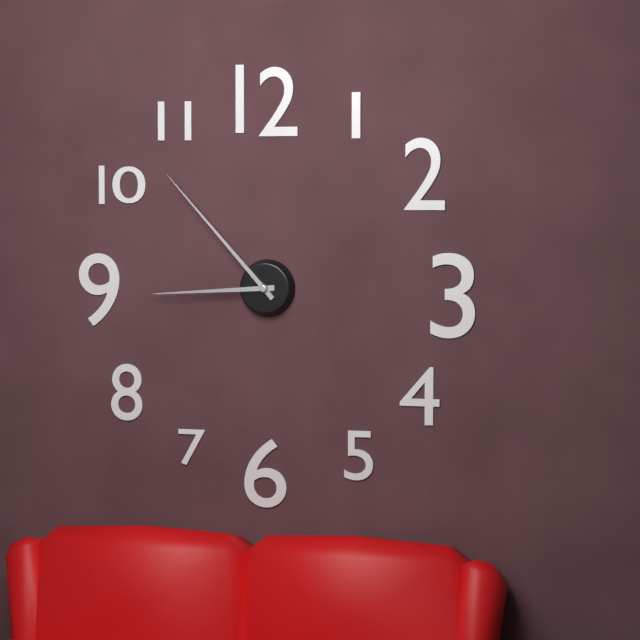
h=8 m=53
